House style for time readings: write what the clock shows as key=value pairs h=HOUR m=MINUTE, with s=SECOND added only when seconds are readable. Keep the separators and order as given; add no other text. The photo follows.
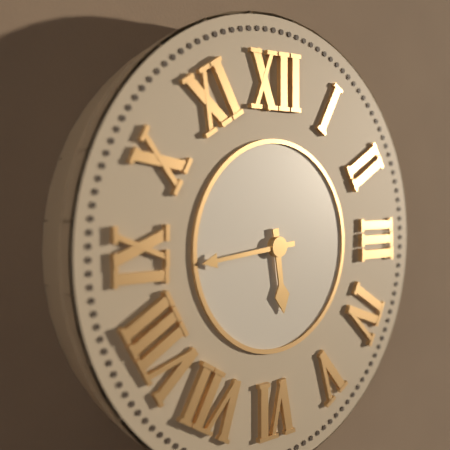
h=5 m=44
